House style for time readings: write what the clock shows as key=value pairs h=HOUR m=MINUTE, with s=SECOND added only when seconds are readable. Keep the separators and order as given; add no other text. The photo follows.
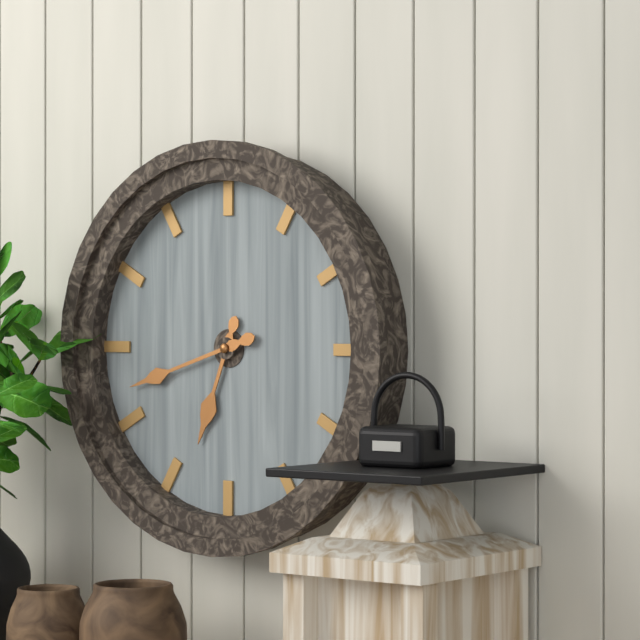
h=6 m=42
